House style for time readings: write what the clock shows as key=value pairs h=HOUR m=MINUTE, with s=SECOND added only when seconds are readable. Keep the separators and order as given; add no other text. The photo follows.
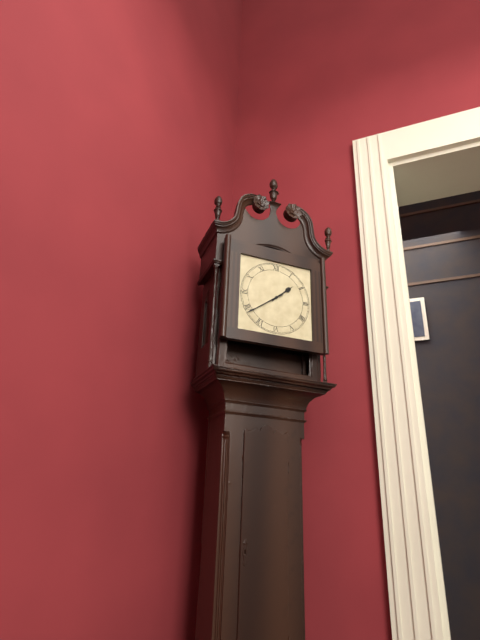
h=1 m=39
